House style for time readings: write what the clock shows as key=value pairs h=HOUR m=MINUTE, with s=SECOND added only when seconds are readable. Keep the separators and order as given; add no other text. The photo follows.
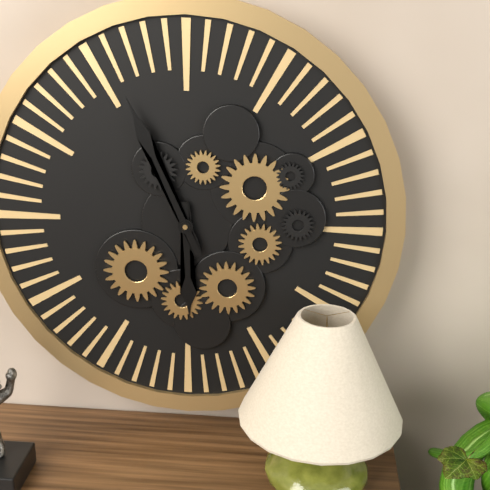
h=5 m=56
